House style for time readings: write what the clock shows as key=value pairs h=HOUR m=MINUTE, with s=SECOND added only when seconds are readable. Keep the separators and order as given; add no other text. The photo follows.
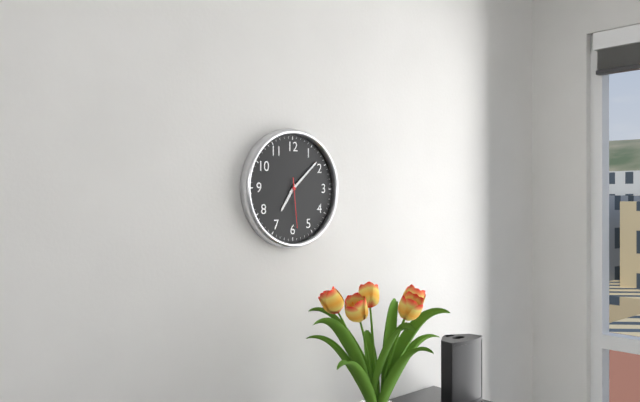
h=7 m=8 s=29
